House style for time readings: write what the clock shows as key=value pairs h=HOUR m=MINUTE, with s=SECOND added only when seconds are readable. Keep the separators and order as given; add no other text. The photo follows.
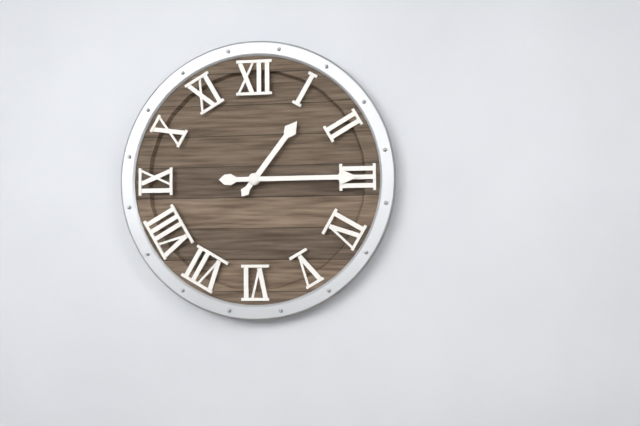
h=1 m=15
